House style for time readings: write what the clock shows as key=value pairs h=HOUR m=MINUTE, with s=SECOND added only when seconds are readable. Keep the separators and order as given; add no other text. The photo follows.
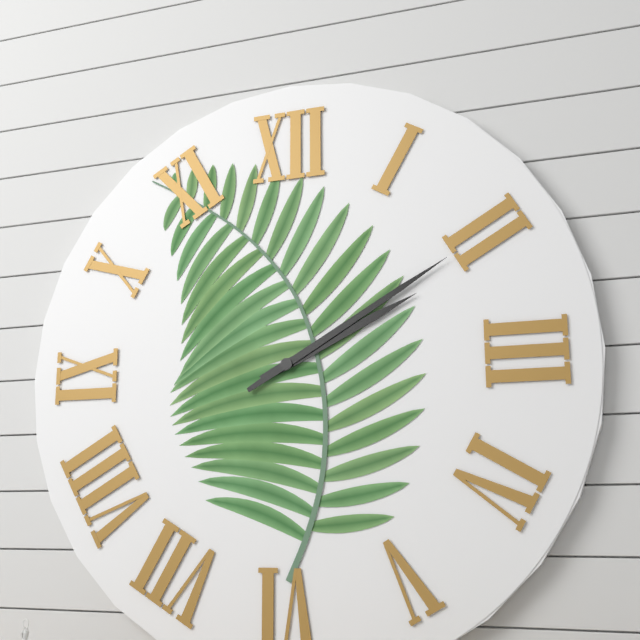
h=2 m=10
